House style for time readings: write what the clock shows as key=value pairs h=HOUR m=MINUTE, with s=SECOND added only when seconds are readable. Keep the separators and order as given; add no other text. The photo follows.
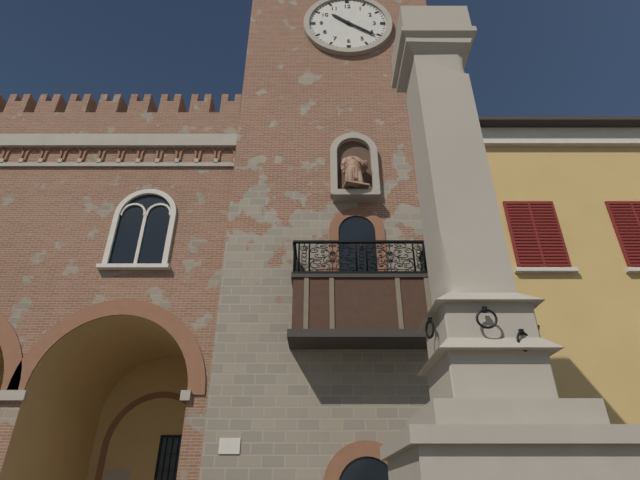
h=10 m=21
